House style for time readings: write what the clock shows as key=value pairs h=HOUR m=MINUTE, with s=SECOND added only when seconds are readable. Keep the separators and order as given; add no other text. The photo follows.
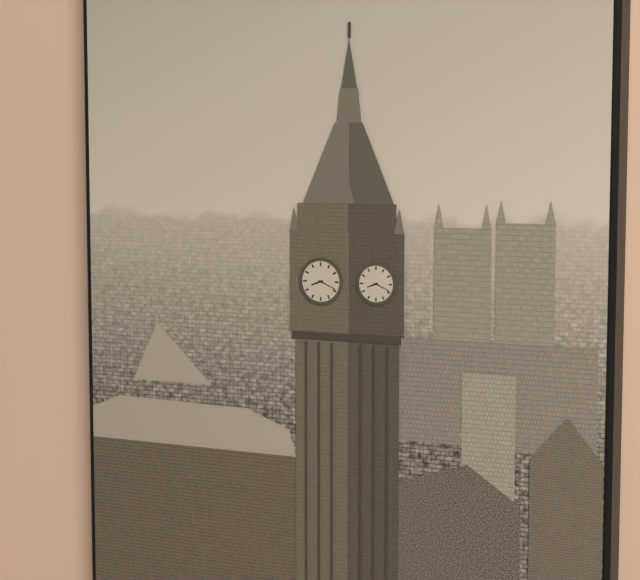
h=8 m=19
